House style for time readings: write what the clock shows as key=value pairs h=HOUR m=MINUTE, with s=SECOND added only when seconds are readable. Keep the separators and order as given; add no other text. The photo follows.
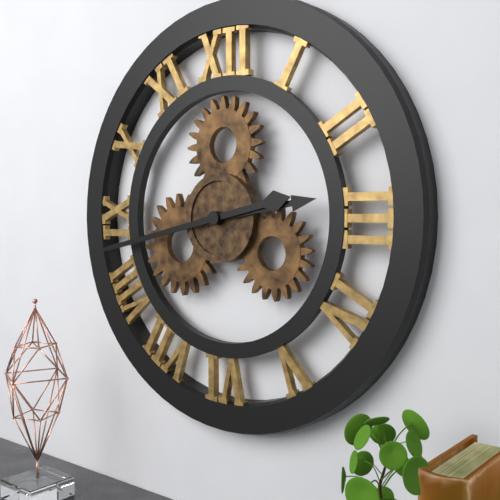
h=2 m=43
